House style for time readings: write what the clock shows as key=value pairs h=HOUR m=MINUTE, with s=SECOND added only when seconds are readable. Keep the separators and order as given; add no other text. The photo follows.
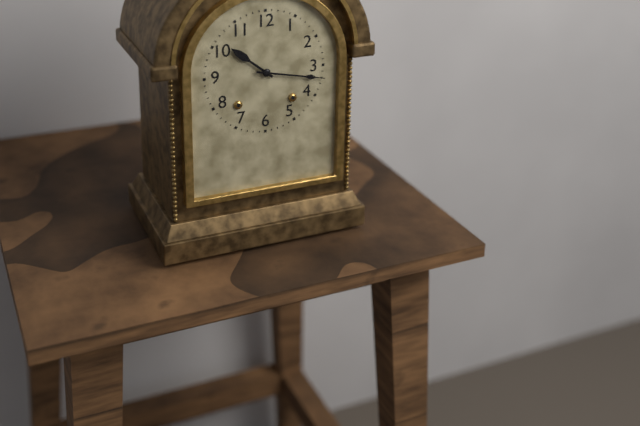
h=10 m=17
